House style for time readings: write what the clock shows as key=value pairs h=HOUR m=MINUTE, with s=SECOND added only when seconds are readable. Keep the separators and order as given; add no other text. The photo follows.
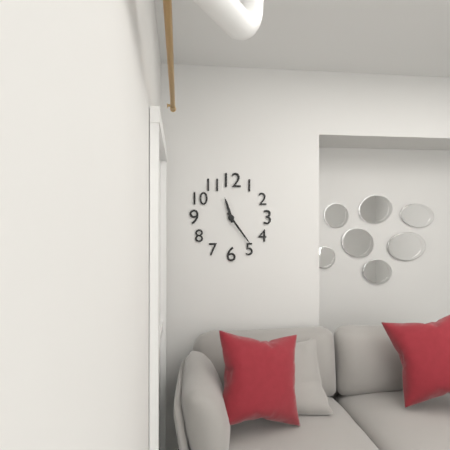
h=11 m=24
